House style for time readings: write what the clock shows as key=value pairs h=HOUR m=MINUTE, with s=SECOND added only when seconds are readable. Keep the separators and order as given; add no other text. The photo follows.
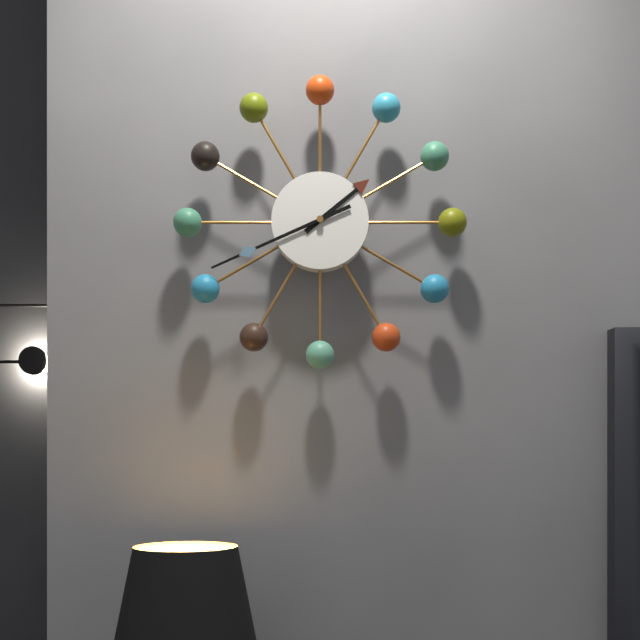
h=1 m=41
